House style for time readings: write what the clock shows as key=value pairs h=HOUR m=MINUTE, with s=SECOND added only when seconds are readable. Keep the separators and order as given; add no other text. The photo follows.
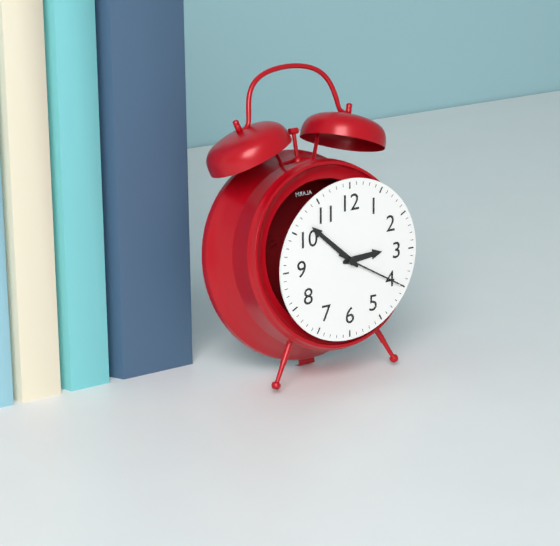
h=2 m=52 s=20
